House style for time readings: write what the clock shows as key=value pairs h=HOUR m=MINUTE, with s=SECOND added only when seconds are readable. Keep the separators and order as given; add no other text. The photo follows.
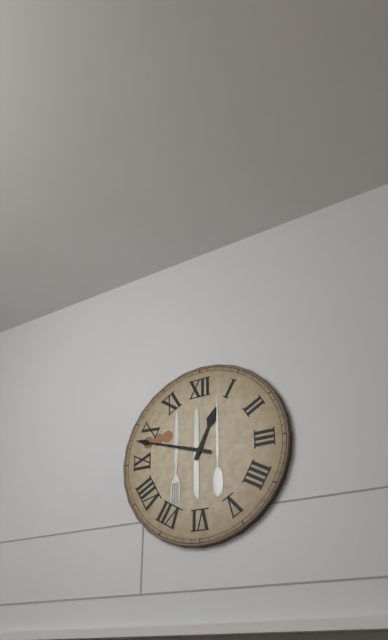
h=12 m=48
